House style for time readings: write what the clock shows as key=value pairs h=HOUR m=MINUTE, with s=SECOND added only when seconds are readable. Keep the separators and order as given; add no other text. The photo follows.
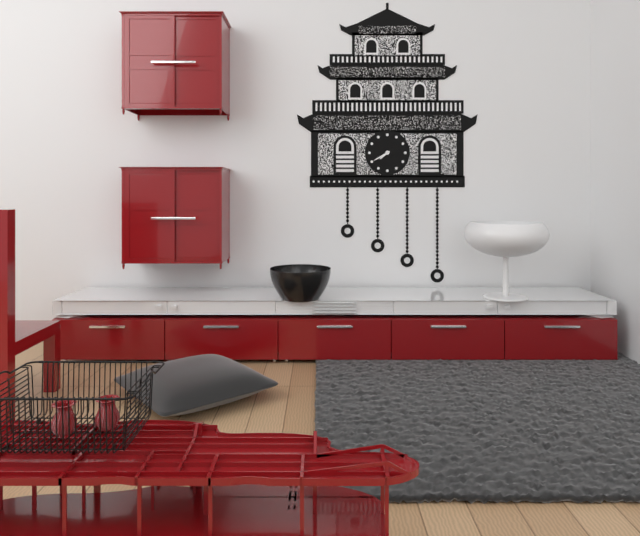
h=7 m=40
